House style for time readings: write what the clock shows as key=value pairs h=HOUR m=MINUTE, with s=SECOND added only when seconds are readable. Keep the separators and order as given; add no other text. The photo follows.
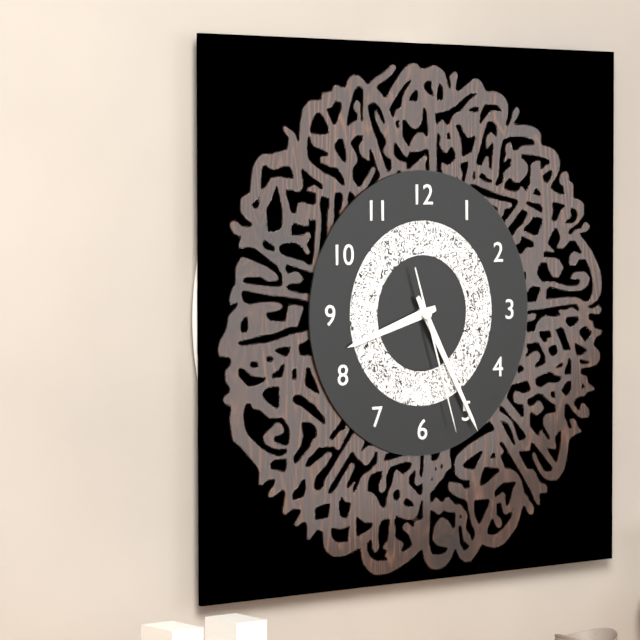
h=8 m=25 s=27
